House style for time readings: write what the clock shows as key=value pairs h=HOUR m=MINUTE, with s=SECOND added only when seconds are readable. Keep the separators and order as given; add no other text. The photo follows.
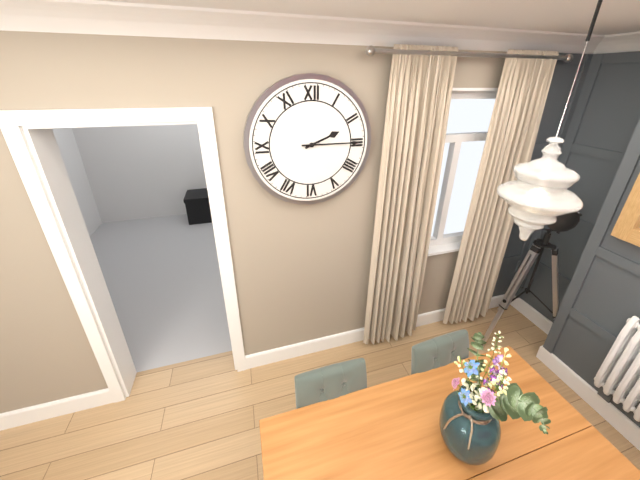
h=2 m=15
